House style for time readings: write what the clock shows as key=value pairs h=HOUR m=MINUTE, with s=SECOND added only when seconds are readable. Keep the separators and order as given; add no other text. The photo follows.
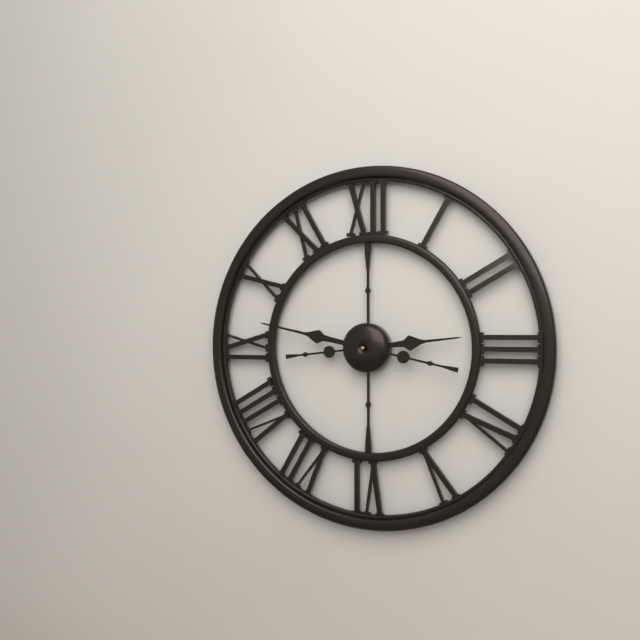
h=2 m=47
